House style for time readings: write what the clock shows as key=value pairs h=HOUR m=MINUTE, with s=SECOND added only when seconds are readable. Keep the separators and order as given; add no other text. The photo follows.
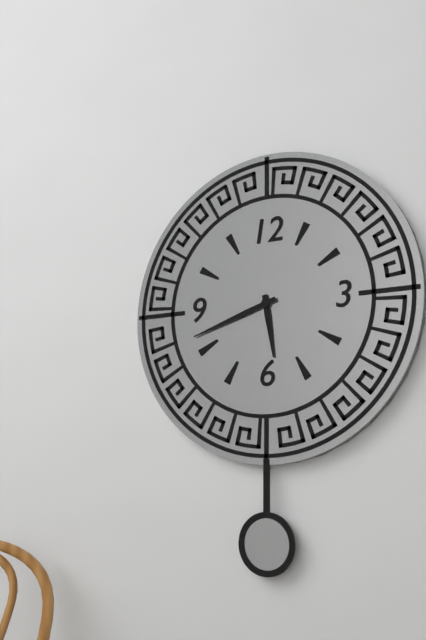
h=5 m=42
